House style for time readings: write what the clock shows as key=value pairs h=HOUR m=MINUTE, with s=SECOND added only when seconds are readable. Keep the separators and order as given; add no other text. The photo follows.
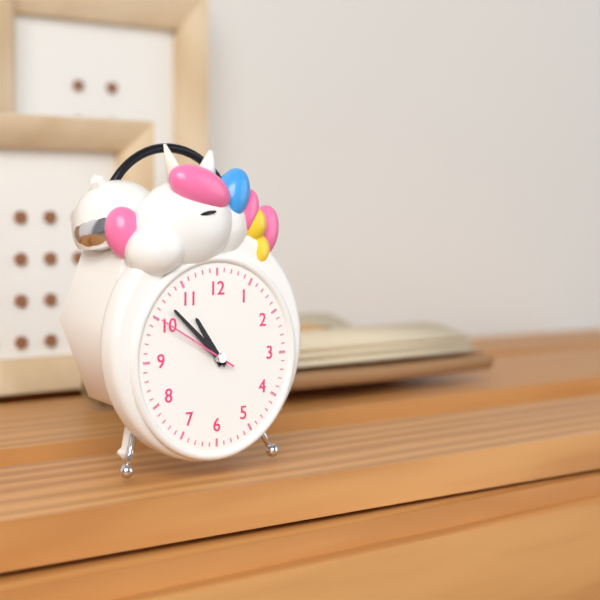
h=10 m=52 s=50
